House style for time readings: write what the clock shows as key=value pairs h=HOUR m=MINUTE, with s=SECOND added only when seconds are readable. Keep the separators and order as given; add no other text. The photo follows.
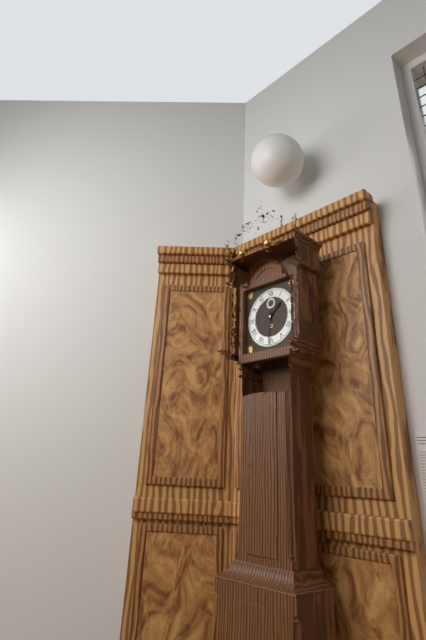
h=1 m=31
